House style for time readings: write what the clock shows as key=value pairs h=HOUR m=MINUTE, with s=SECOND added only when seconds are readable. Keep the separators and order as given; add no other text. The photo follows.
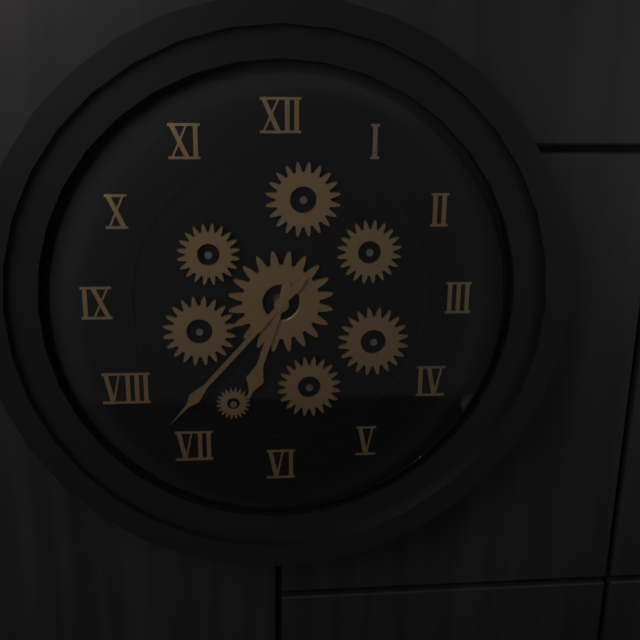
h=6 m=37
